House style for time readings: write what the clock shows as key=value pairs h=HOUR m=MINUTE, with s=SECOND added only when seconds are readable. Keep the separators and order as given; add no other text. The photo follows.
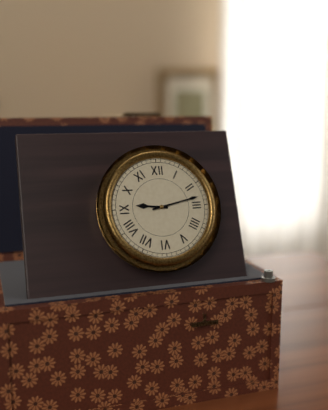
h=9 m=13
